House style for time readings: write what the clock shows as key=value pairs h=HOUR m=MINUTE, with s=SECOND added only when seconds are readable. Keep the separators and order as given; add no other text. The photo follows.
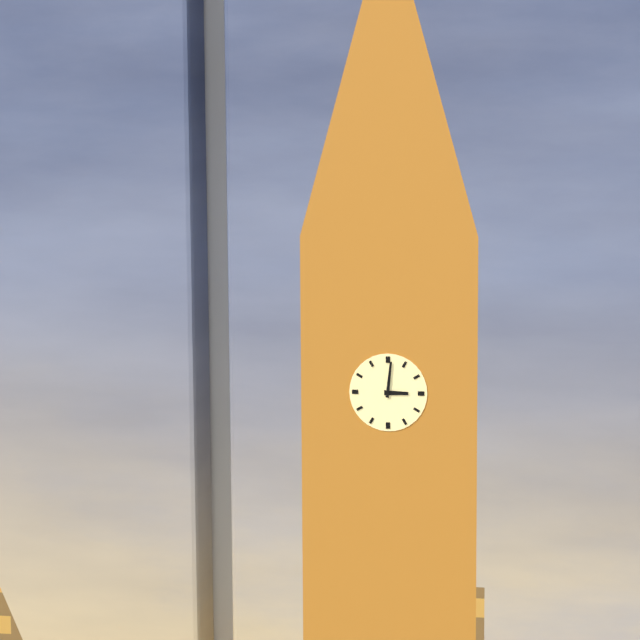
h=3 m=1
